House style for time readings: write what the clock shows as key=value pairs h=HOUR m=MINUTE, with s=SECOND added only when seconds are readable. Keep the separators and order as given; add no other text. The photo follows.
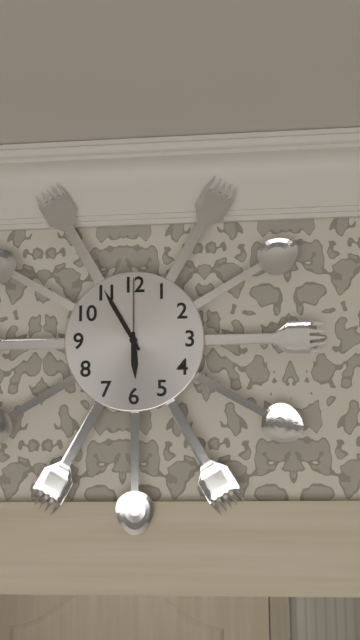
h=5 m=55 s=0
